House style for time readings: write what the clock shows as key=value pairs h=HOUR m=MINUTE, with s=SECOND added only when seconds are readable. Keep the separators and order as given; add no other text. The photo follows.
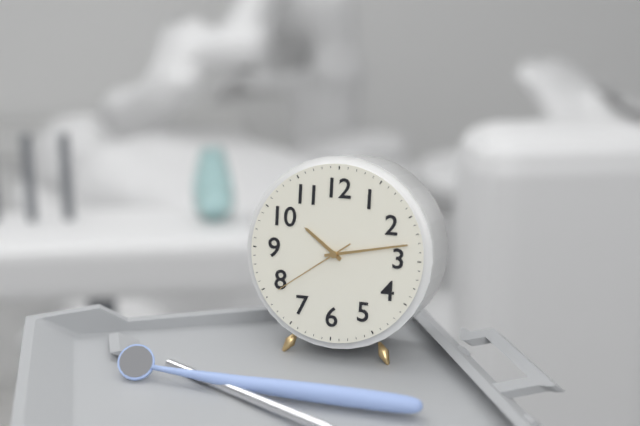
h=10 m=13 s=39
